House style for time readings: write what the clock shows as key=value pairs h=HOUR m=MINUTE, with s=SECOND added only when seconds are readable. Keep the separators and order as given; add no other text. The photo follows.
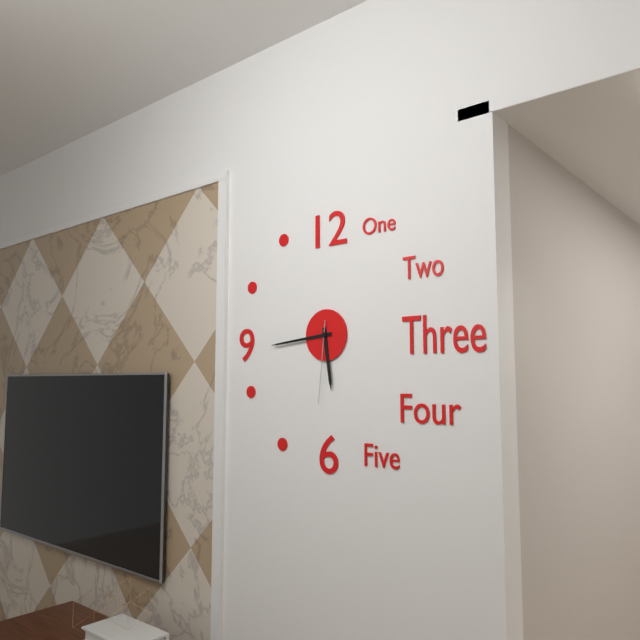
h=5 m=44 s=31
